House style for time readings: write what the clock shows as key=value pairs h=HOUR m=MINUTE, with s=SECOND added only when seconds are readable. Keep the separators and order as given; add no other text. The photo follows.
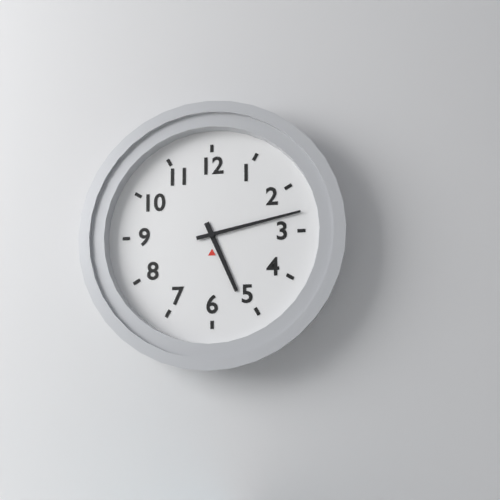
h=5 m=13
